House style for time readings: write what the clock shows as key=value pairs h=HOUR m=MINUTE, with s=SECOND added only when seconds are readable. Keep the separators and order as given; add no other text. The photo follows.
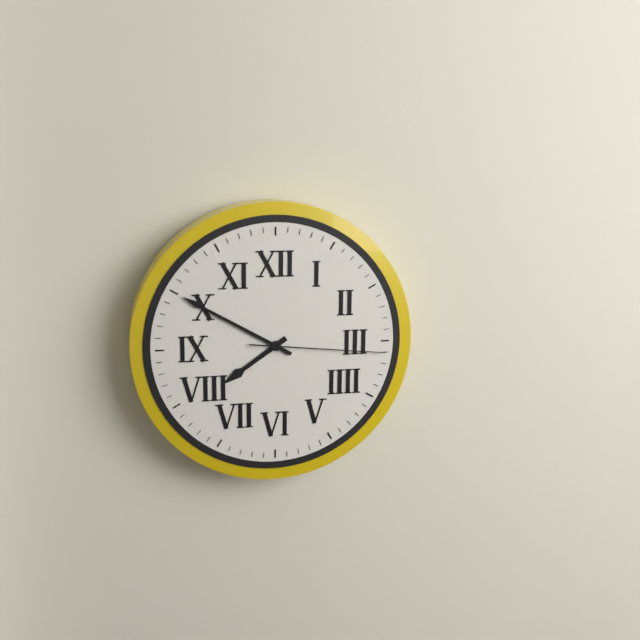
h=7 m=50 s=16
